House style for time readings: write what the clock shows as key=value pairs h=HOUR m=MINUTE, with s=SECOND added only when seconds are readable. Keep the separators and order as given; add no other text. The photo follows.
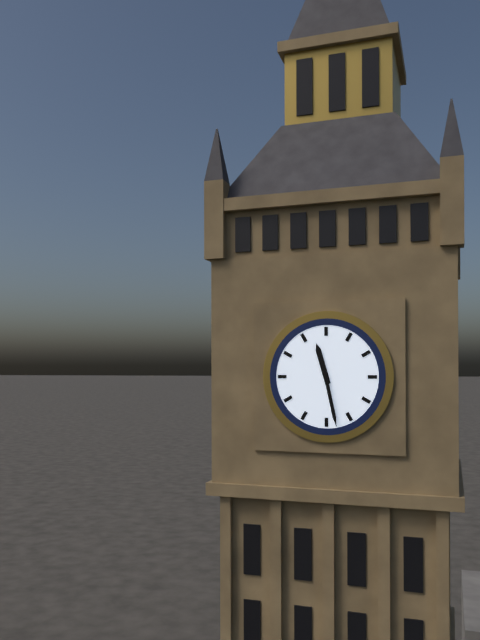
h=11 m=28
